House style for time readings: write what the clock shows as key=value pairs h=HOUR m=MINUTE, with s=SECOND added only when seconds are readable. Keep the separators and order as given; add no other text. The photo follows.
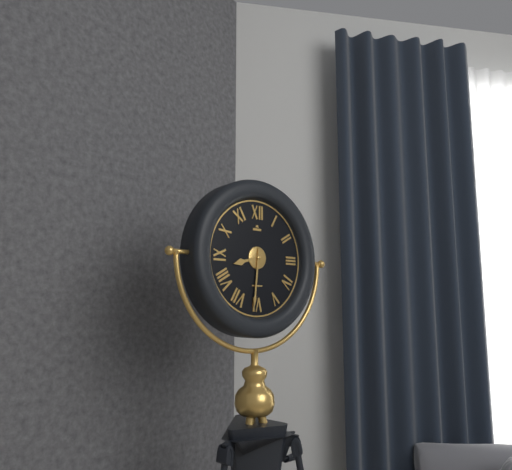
h=8 m=31
